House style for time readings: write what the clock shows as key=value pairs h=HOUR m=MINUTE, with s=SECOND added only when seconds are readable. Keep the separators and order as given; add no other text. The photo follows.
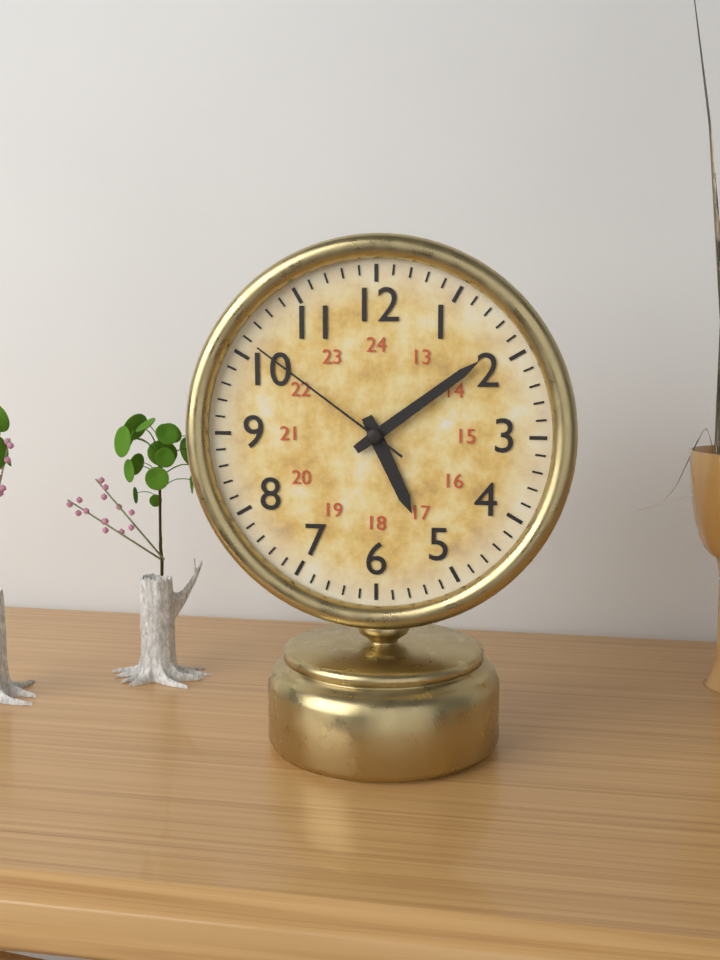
h=5 m=9 s=51
